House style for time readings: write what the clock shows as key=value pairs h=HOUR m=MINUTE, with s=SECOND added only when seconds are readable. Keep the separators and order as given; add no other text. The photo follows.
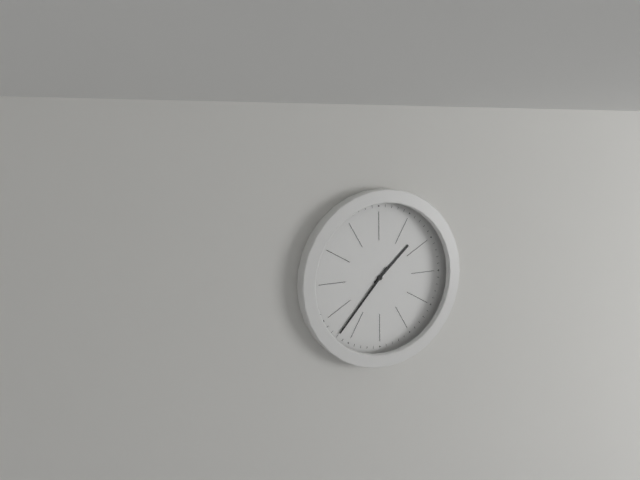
h=1 m=37
